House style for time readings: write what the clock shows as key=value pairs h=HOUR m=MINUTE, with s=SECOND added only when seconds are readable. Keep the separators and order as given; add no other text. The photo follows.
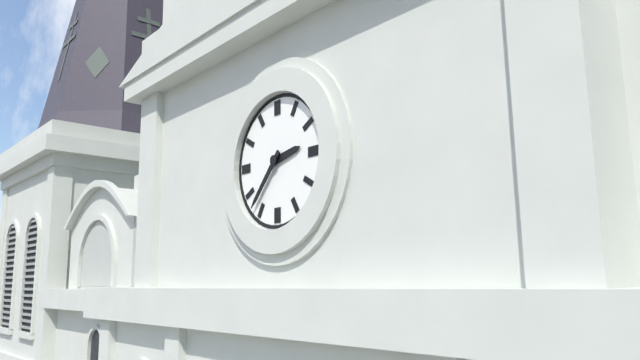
h=2 m=37
